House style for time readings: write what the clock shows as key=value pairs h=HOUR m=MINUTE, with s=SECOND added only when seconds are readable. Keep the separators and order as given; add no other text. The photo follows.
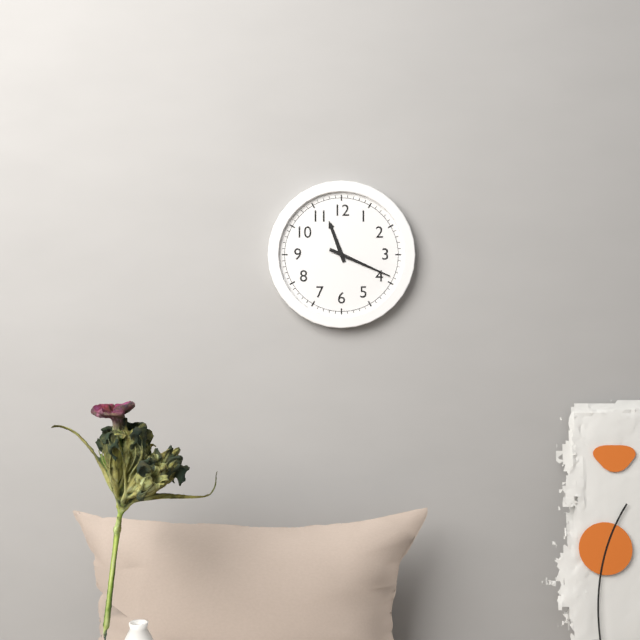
h=11 m=19
